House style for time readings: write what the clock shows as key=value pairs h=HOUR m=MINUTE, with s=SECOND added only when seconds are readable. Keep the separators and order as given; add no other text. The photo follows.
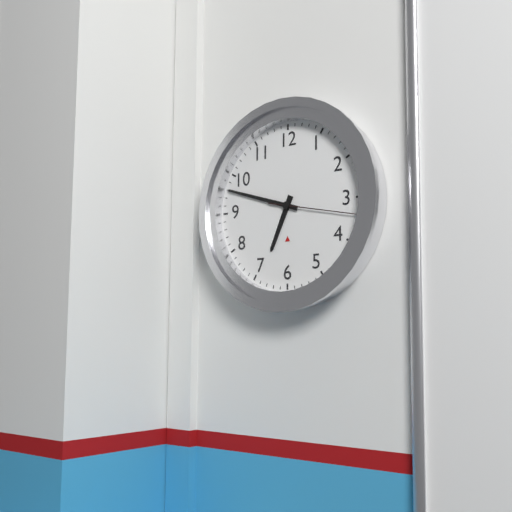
h=6 m=48 s=17
